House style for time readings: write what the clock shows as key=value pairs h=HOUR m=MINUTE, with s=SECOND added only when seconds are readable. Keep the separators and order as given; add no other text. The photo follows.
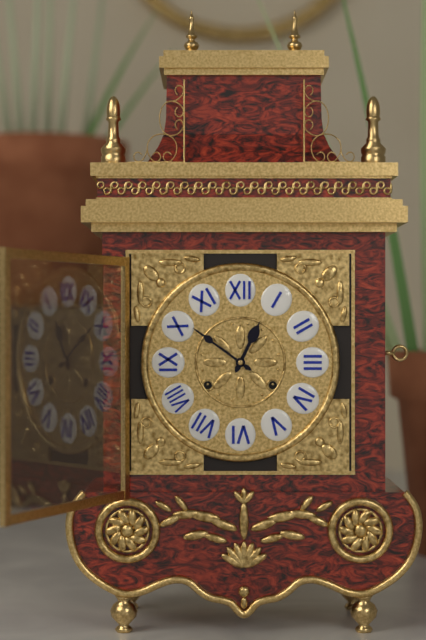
h=12 m=51
